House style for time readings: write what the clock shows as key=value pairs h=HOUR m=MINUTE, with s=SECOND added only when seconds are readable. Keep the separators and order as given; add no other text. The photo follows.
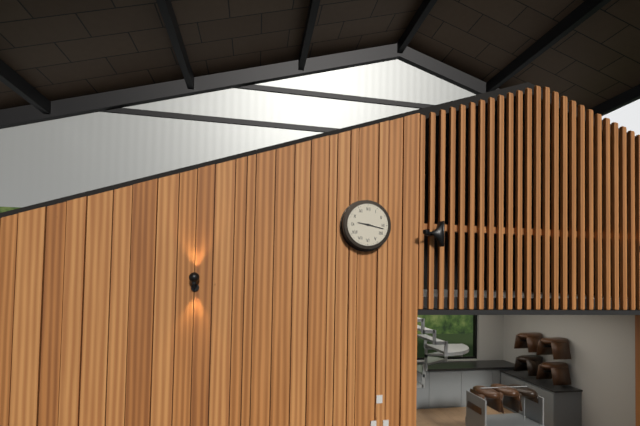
h=9 m=17
